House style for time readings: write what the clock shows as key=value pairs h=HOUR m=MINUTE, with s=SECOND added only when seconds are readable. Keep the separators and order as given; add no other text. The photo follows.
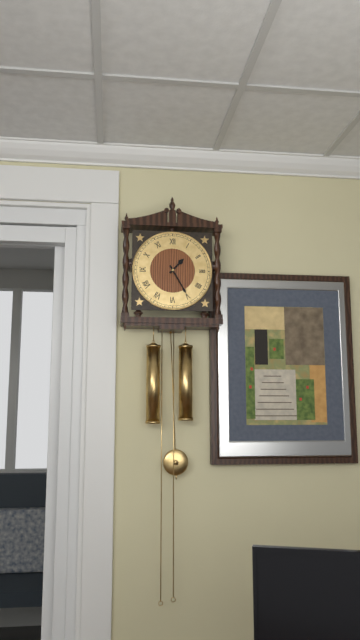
h=1 m=25
